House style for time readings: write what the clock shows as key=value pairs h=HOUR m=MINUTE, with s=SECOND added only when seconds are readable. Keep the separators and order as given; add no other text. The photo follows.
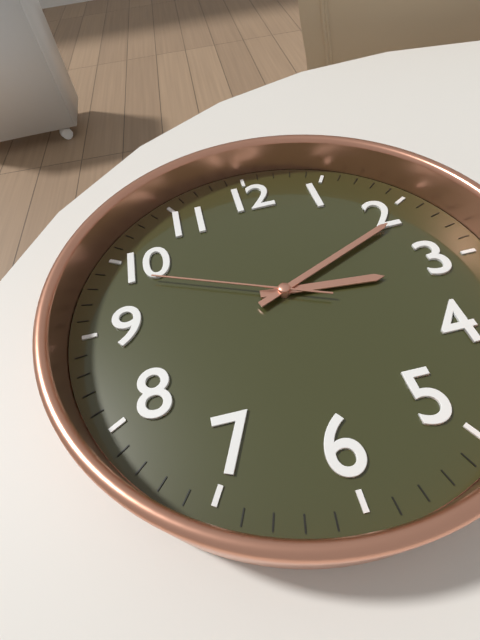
h=3 m=11 s=49
